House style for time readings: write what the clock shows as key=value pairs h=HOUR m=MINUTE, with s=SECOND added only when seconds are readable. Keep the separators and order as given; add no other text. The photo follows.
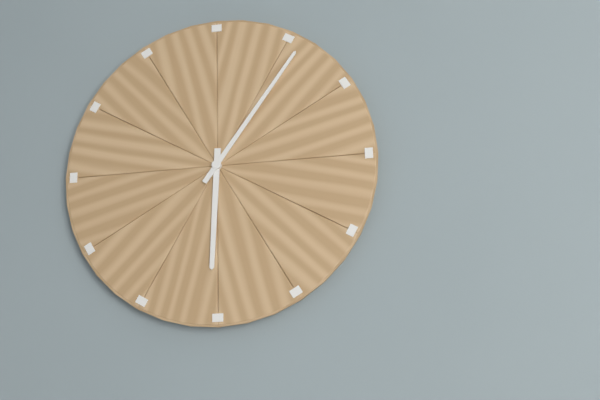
h=6 m=6
